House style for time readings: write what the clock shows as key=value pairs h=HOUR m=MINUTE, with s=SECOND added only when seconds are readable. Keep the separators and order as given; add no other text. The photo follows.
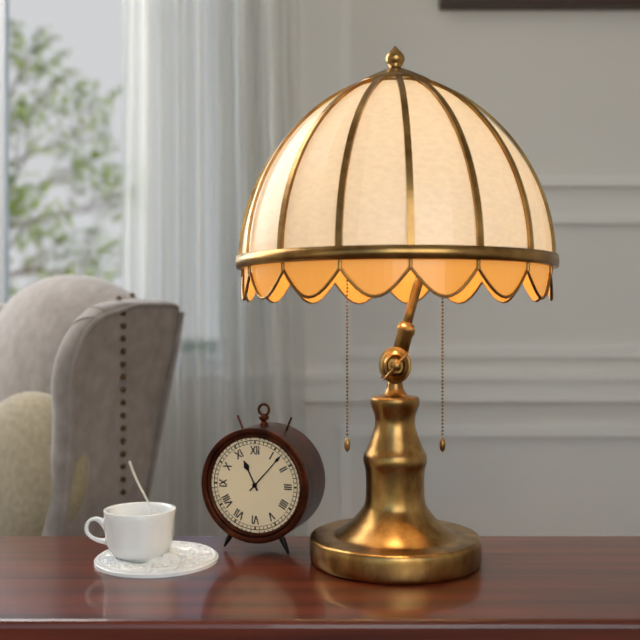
h=11 m=7
